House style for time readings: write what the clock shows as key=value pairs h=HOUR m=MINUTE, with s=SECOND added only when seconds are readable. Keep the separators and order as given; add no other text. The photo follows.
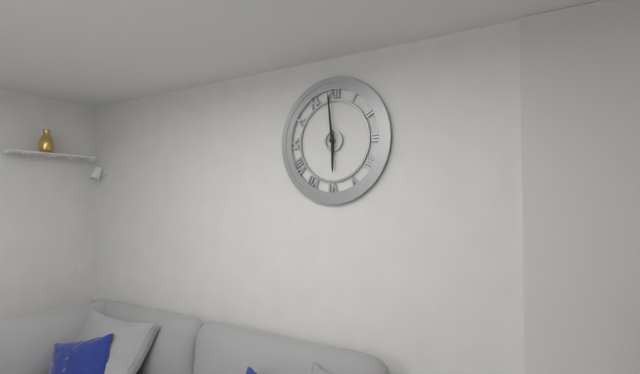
h=5 m=59
